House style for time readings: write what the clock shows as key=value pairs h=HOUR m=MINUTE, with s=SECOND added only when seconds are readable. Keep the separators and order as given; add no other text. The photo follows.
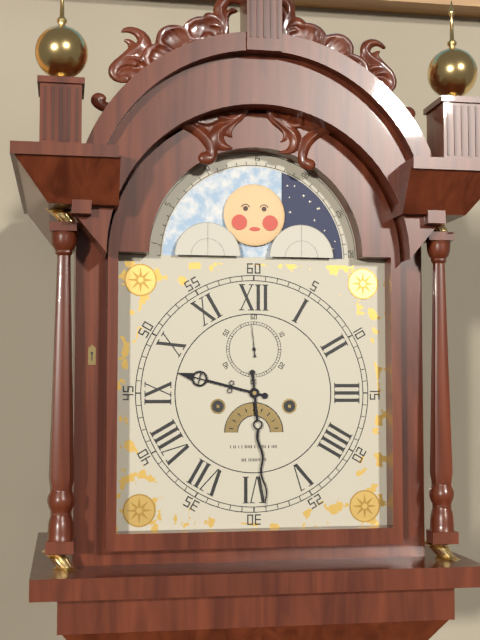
h=9 m=29
